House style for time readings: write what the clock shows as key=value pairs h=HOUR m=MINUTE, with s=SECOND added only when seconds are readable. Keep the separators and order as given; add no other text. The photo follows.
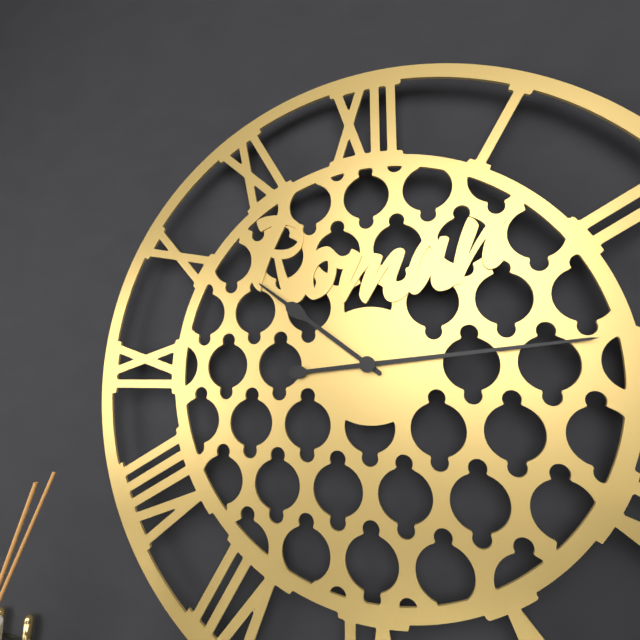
h=10 m=14
